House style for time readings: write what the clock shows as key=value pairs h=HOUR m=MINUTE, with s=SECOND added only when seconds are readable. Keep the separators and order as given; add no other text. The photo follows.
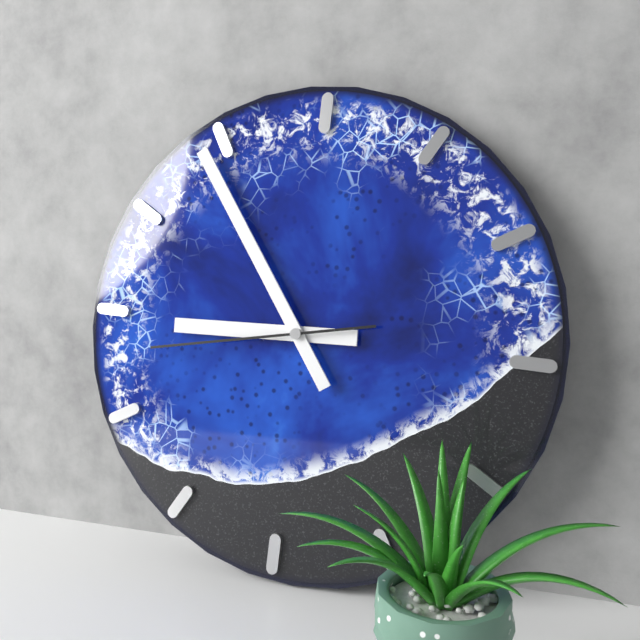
h=8 m=54 s=43
